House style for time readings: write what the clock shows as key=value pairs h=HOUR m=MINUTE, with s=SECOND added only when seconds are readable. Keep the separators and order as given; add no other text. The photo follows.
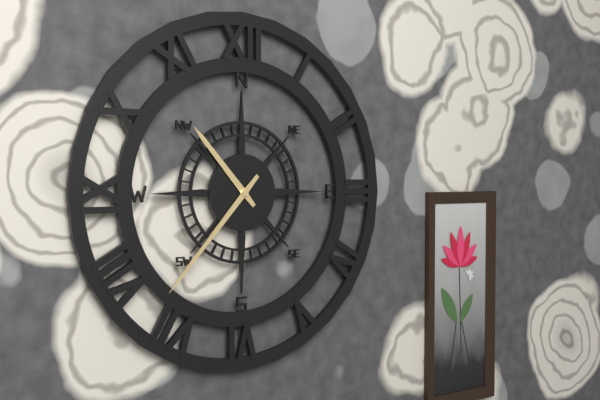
h=10 m=37
